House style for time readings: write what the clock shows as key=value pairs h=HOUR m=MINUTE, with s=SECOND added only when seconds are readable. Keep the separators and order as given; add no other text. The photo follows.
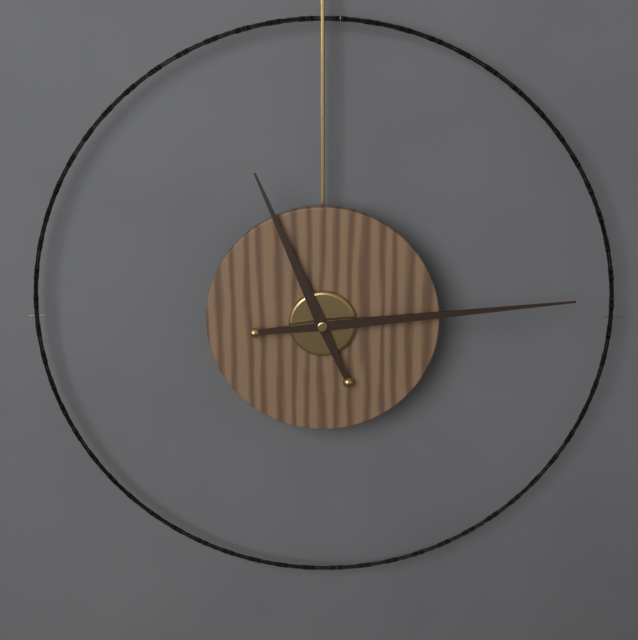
h=11 m=14
